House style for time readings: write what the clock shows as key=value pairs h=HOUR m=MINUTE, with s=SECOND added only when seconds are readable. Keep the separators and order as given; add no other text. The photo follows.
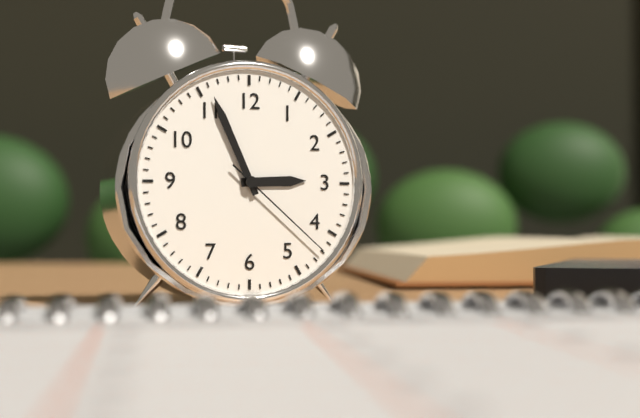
h=2 m=56 s=22
